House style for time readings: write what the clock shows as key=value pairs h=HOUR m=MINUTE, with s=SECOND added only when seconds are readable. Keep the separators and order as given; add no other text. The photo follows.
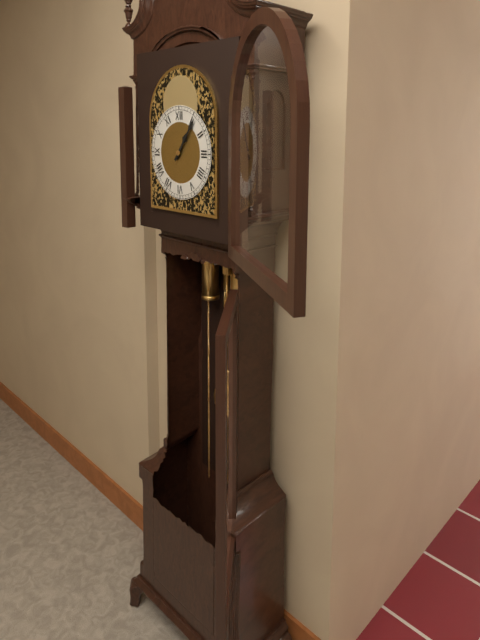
h=1 m=6
